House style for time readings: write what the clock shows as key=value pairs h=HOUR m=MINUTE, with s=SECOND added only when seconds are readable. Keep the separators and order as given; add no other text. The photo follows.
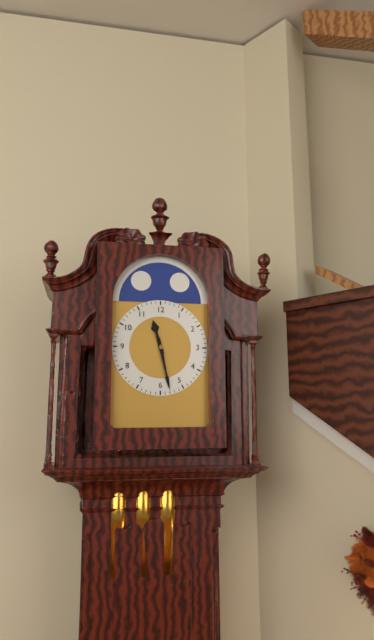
h=11 m=28
